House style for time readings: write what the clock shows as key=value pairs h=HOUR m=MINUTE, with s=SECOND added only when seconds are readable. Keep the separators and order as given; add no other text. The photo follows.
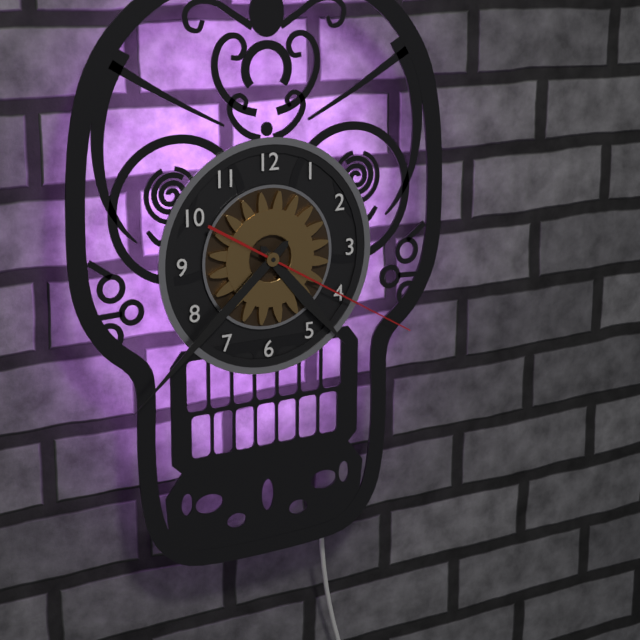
h=4 m=38 s=20
